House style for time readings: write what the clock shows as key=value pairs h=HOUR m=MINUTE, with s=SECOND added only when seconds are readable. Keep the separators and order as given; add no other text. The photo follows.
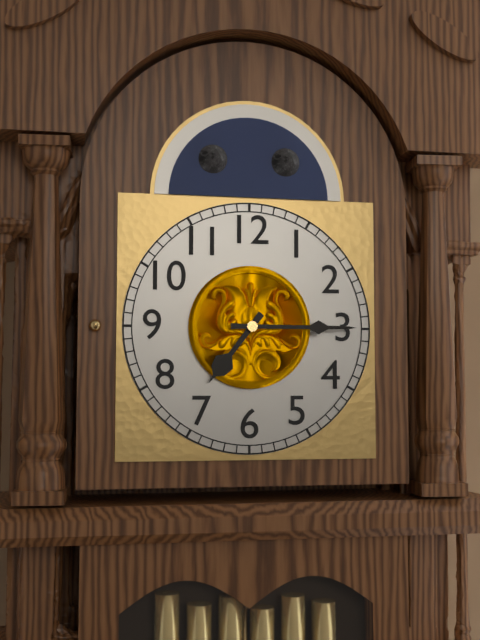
h=7 m=15
